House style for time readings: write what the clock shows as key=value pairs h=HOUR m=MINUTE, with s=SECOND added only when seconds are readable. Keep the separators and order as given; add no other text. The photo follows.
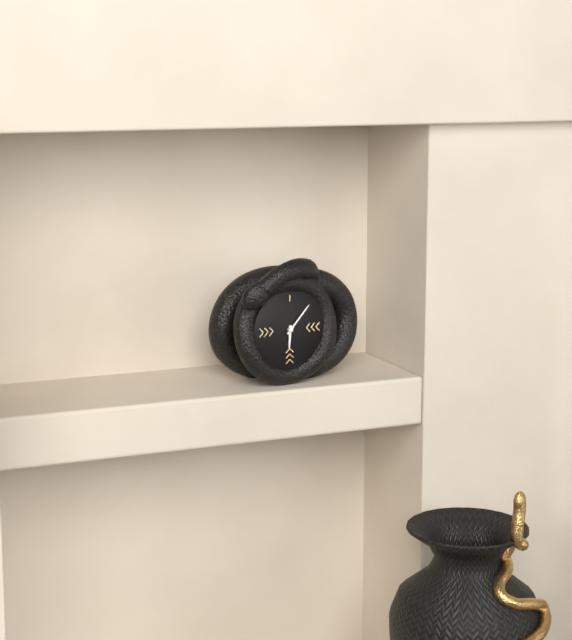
h=6 m=7
